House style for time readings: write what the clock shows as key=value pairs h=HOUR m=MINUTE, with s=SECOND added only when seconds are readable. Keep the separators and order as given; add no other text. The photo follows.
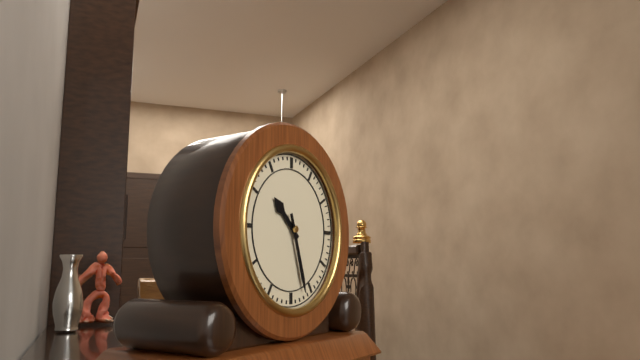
h=10 m=27
